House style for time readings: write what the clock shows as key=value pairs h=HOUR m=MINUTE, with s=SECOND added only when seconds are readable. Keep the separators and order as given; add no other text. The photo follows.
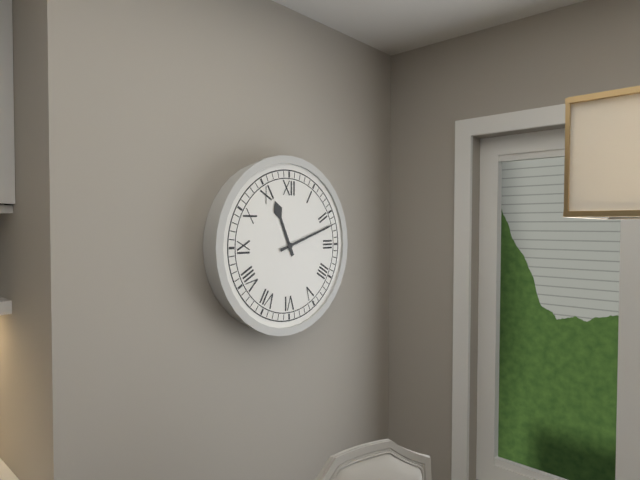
h=11 m=12
